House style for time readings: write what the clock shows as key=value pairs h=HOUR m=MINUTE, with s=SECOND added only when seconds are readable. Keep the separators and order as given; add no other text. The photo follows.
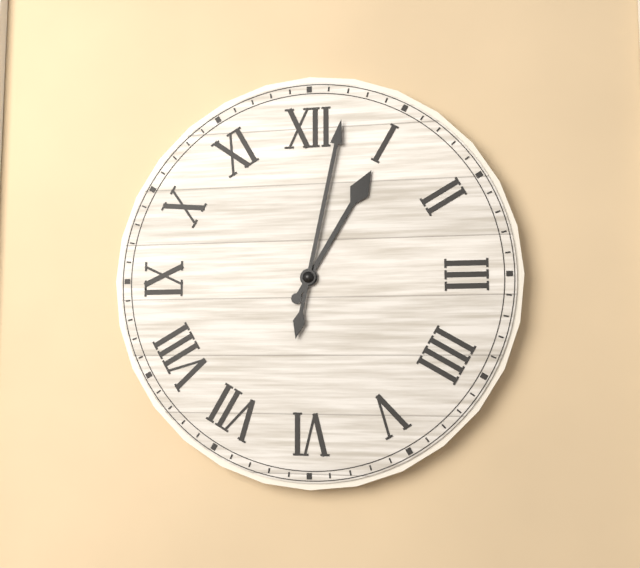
h=1 m=2
